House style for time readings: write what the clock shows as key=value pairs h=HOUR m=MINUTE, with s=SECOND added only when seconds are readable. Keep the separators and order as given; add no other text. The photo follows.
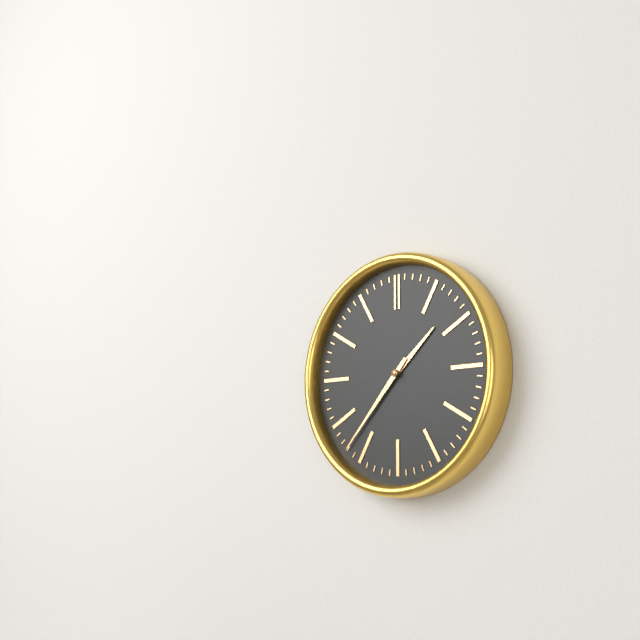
h=1 m=37
